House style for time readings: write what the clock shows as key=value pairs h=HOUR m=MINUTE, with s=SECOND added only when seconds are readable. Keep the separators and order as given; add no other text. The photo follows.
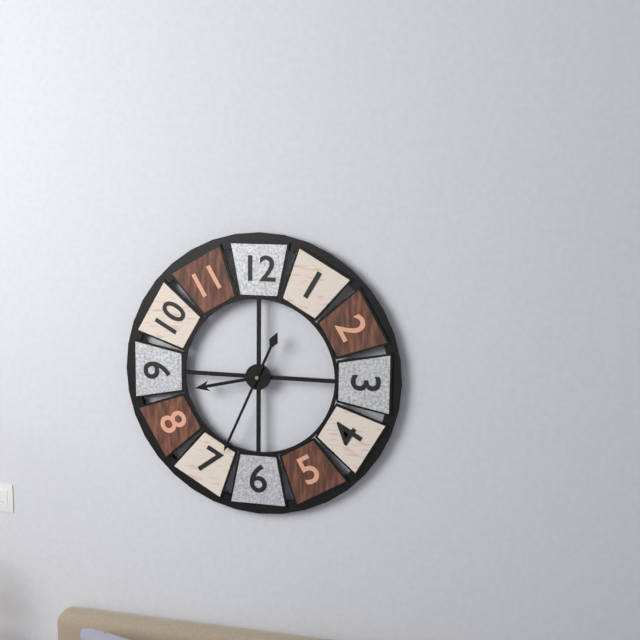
h=8 m=34
